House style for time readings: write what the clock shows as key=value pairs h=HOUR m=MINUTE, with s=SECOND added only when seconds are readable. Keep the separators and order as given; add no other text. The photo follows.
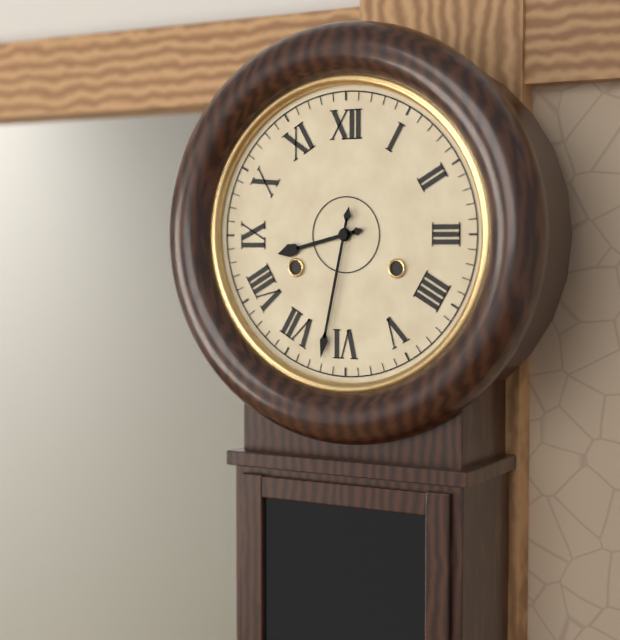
h=8 m=32
